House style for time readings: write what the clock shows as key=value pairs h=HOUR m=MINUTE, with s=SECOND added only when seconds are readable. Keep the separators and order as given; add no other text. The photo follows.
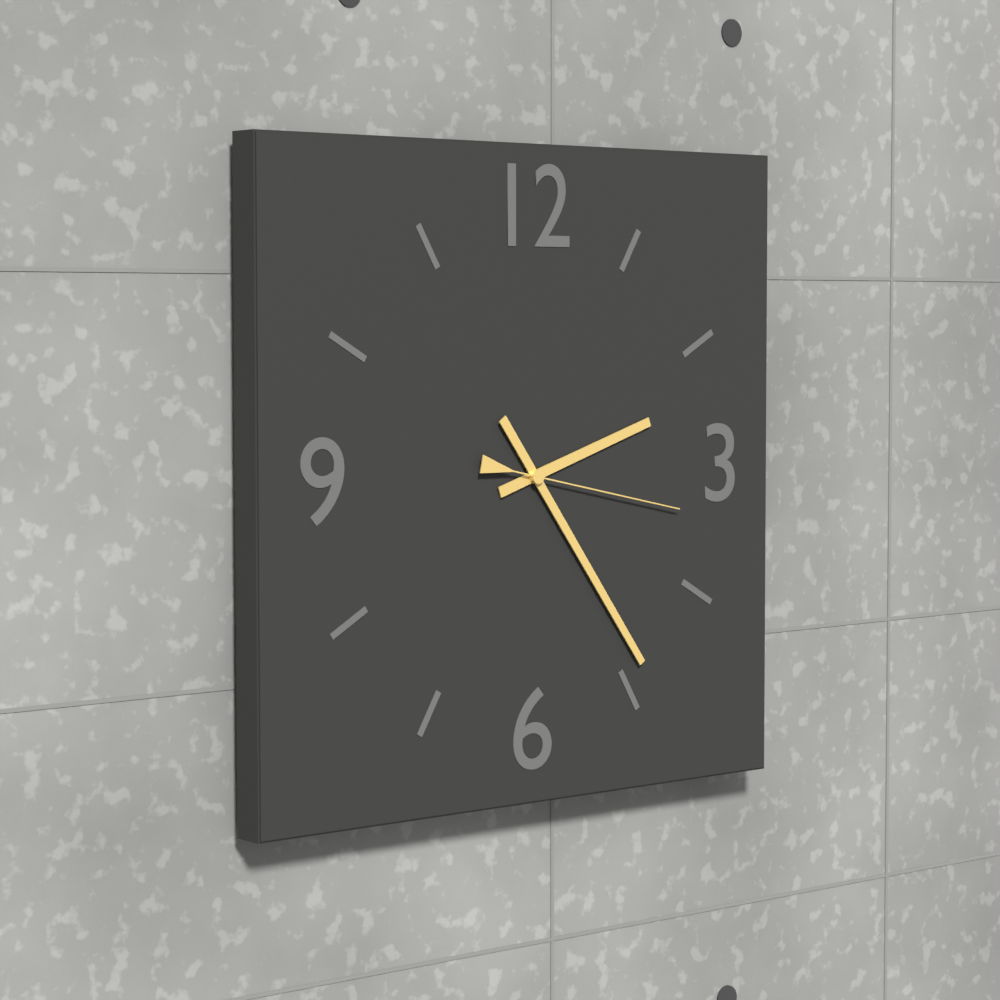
h=2 m=24 s=17
